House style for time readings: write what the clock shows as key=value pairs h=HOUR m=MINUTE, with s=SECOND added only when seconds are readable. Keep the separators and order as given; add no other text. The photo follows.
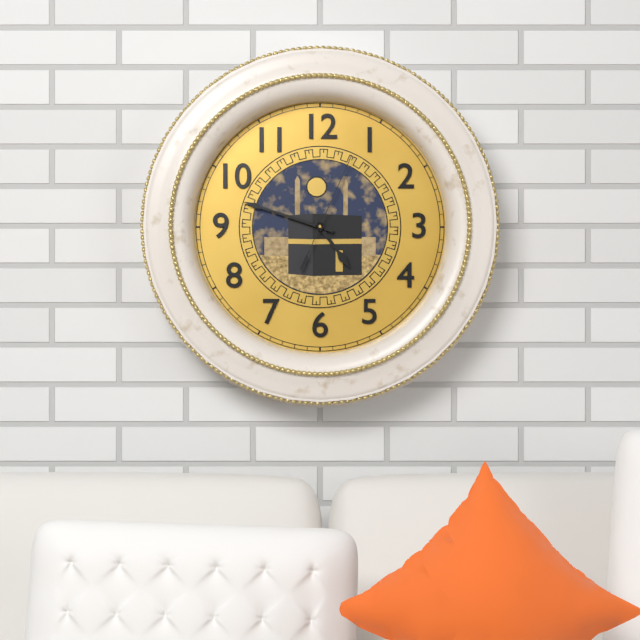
h=4 m=48 s=4
